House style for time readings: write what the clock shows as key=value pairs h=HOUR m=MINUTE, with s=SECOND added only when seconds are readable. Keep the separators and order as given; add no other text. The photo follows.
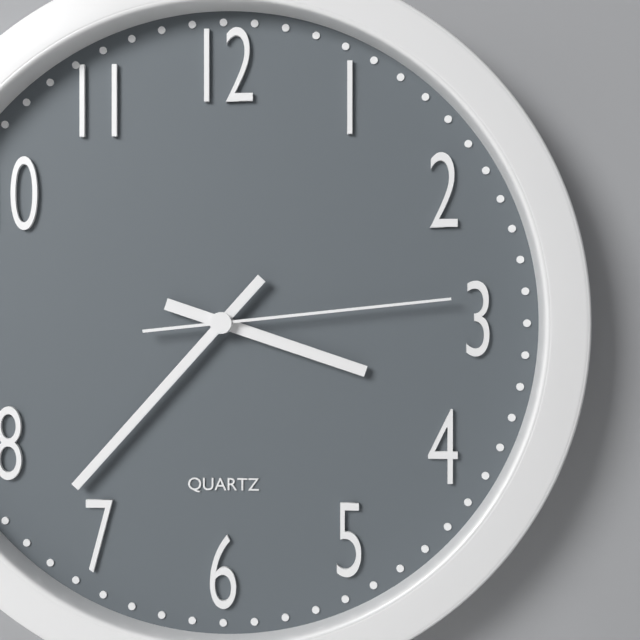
h=3 m=37 s=14
